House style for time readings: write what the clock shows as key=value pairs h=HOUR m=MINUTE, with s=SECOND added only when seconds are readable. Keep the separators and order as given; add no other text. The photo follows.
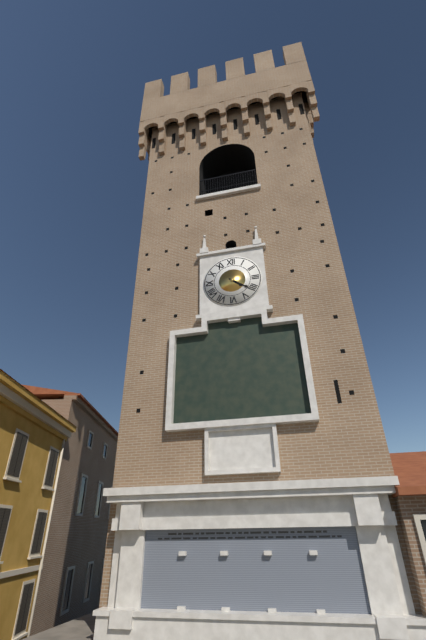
h=4 m=21
